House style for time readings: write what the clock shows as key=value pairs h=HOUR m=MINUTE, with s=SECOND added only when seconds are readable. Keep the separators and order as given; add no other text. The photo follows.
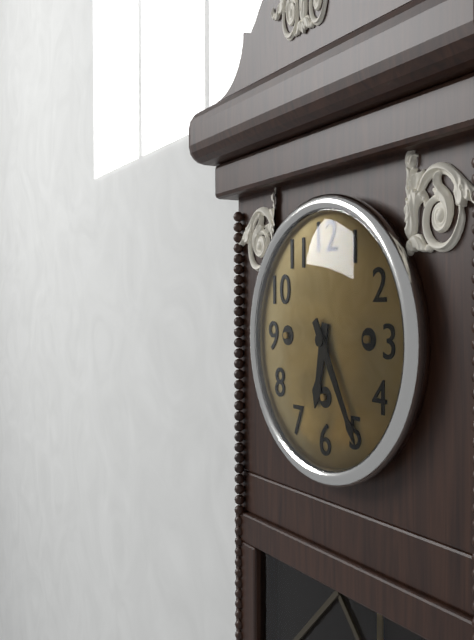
h=6 m=25
